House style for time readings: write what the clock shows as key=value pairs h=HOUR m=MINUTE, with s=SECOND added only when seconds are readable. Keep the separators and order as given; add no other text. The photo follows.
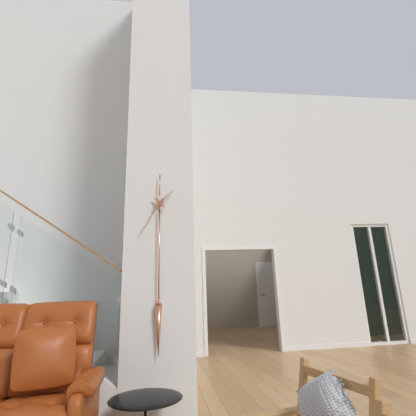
h=1 m=35
